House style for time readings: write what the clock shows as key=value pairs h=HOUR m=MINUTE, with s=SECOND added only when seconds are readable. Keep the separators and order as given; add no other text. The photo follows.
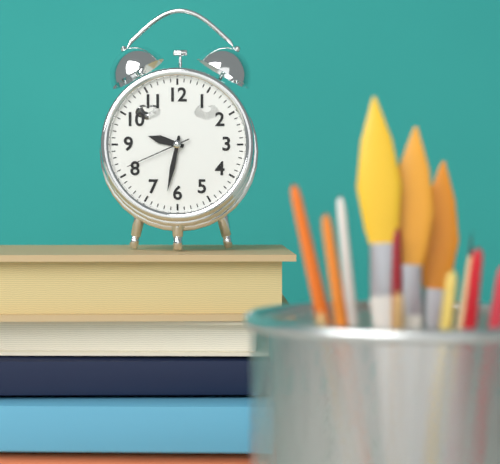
h=9 m=32 s=41
